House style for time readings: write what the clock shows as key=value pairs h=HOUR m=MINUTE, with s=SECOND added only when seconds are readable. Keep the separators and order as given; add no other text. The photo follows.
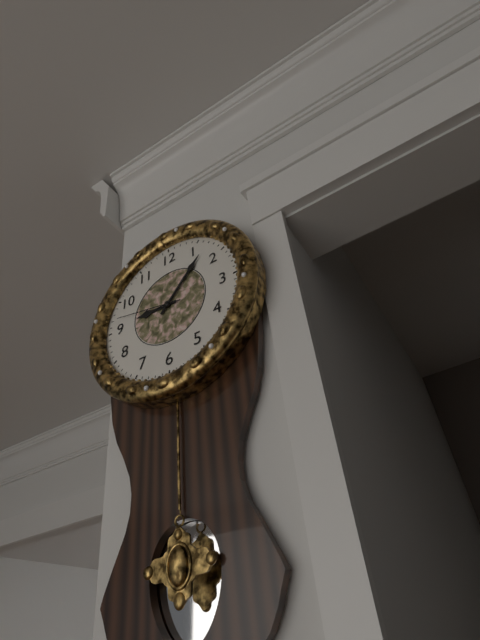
h=9 m=7 s=47
